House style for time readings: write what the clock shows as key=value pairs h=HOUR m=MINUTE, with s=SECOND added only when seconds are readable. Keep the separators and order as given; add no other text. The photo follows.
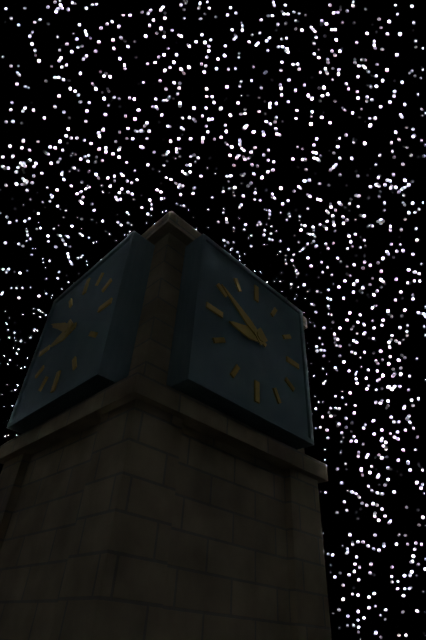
h=8 m=50
